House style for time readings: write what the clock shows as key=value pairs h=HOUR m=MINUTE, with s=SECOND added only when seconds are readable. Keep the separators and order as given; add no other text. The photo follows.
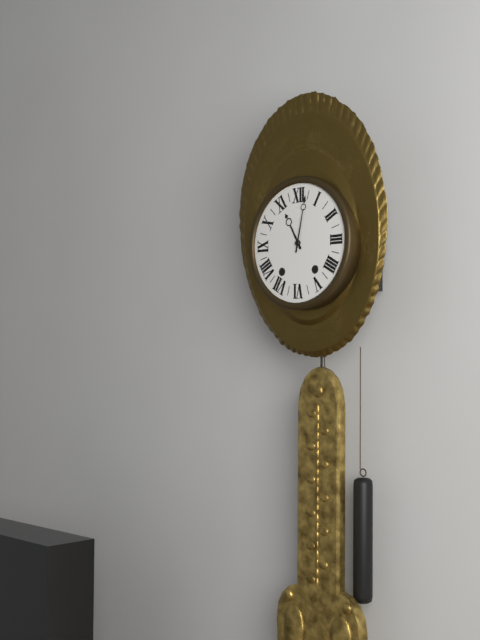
h=11 m=2
